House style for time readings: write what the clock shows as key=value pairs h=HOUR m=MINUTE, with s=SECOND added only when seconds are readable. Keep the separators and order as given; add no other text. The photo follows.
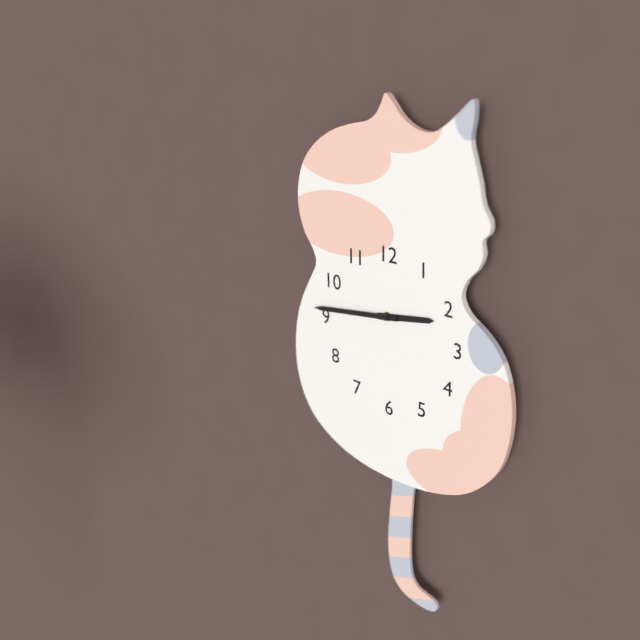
h=2 m=44
